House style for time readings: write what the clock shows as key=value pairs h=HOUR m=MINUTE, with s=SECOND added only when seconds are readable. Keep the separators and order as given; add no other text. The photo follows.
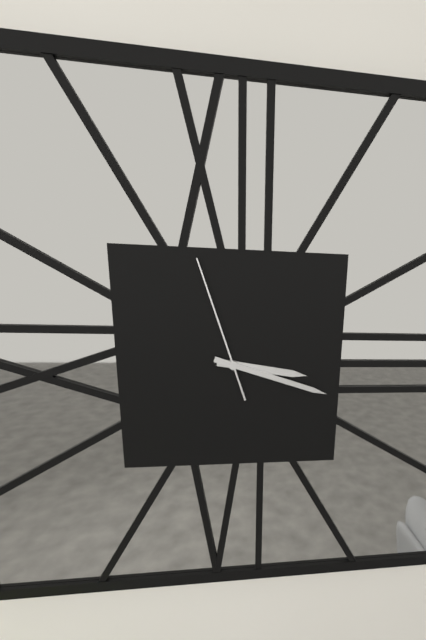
h=3 m=18 s=57
